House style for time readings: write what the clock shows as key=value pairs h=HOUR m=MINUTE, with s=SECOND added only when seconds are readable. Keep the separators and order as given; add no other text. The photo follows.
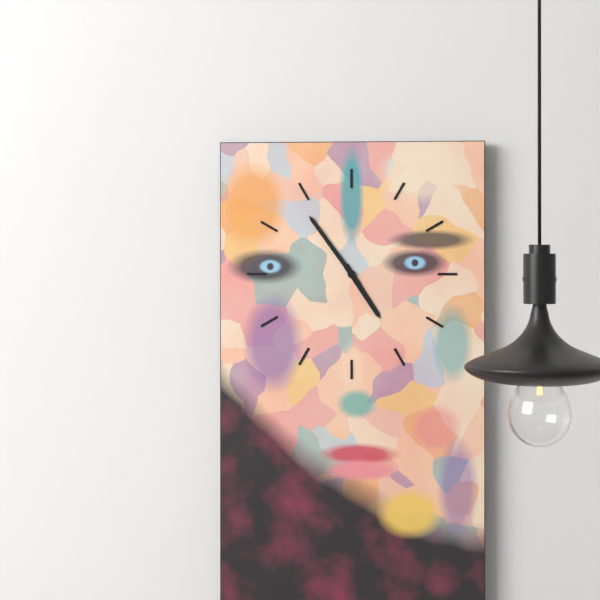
h=4 m=54
